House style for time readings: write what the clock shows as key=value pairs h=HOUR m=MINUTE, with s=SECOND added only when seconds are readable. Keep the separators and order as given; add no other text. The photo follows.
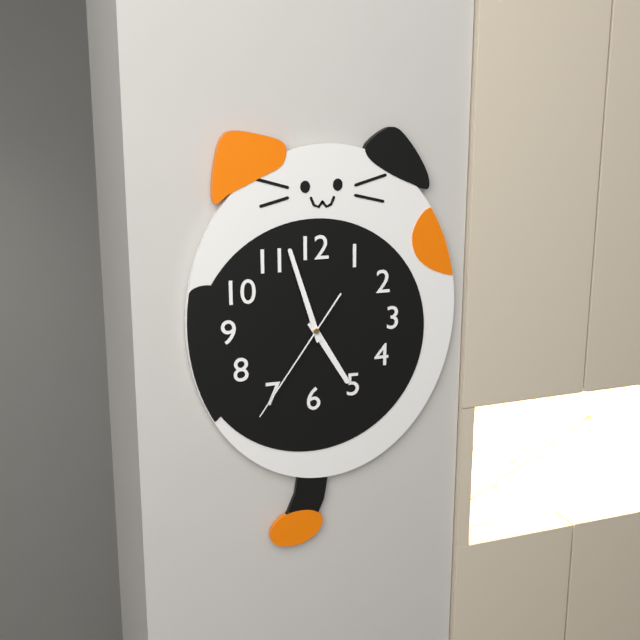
h=4 m=57 s=36
